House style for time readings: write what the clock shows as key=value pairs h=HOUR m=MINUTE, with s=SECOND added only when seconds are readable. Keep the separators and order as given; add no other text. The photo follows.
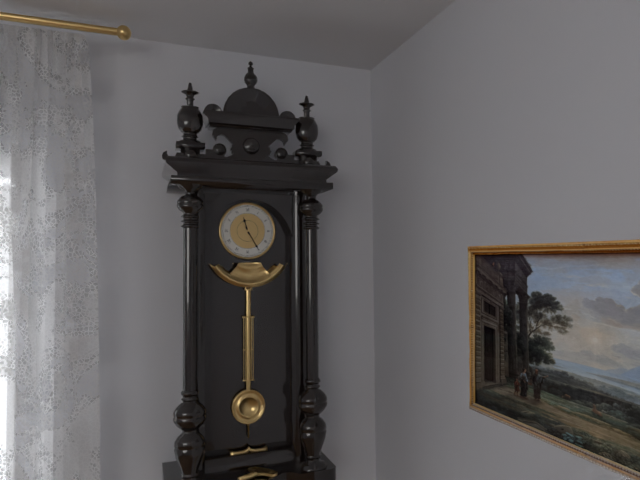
h=11 m=25
